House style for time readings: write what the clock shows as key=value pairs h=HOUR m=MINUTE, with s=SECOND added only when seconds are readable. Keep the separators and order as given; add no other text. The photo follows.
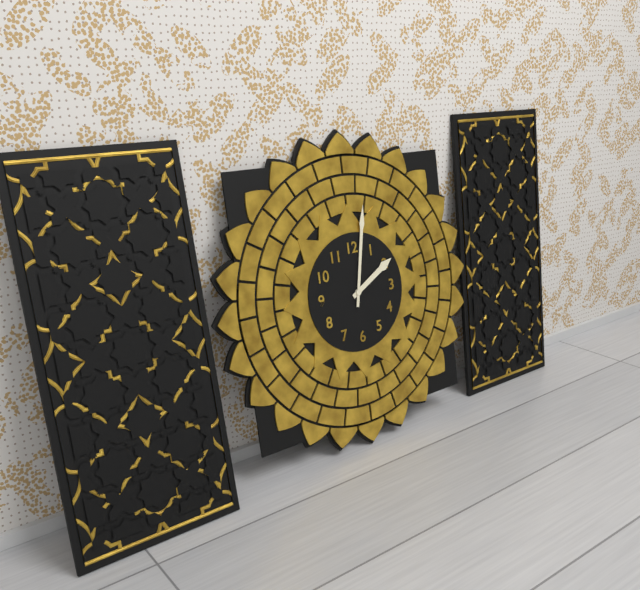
h=2 m=2
